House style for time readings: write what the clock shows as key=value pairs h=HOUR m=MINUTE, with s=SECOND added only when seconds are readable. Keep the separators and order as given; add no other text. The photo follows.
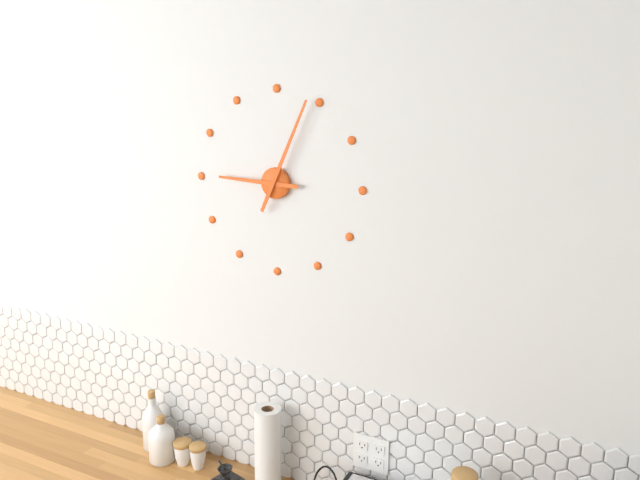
h=9 m=4
